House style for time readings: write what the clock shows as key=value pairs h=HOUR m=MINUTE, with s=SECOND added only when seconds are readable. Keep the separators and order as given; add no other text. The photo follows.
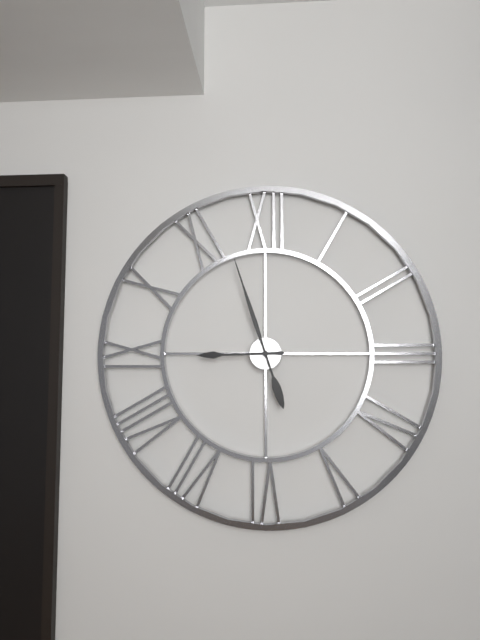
h=8 m=57
